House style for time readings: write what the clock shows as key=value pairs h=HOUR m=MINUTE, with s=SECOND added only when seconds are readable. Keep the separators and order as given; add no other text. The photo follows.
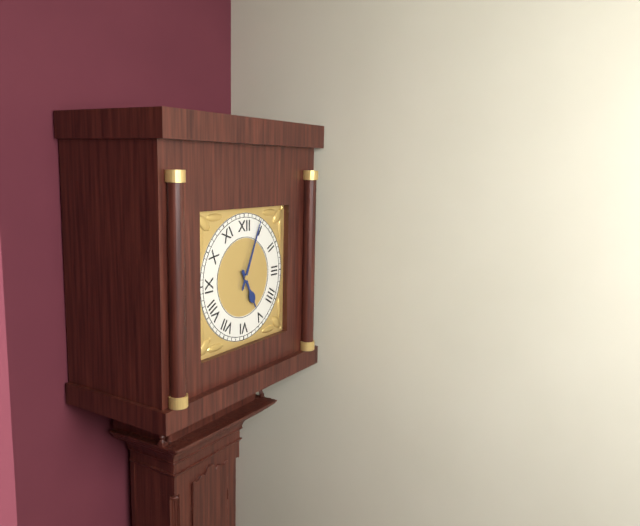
h=5 m=4
